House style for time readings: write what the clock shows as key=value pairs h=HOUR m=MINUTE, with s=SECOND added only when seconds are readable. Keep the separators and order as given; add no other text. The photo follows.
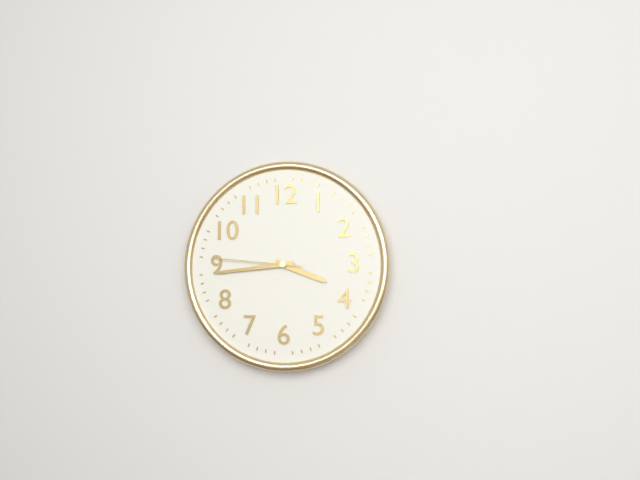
h=3 m=44 s=46
